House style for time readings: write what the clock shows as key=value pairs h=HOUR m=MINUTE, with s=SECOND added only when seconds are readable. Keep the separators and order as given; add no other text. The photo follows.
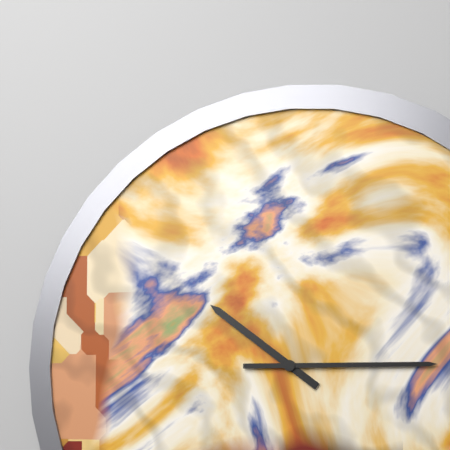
h=10 m=15
